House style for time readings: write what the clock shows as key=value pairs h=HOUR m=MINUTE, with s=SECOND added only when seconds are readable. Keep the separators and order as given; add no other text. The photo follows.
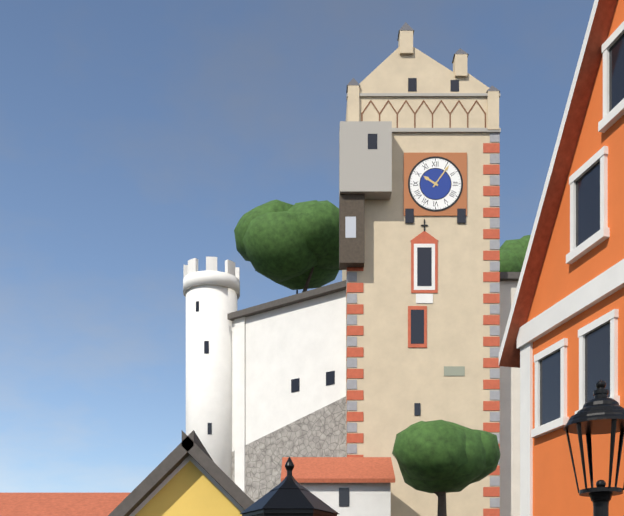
h=10 m=6
